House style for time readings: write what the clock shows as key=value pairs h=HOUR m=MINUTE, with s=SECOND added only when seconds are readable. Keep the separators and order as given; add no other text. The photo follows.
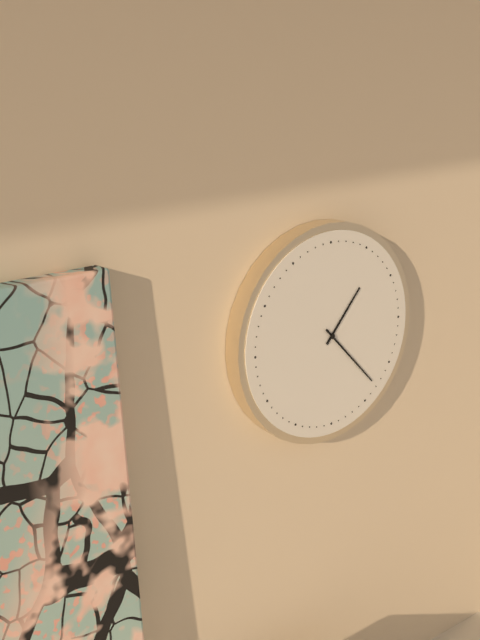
h=1 m=23
